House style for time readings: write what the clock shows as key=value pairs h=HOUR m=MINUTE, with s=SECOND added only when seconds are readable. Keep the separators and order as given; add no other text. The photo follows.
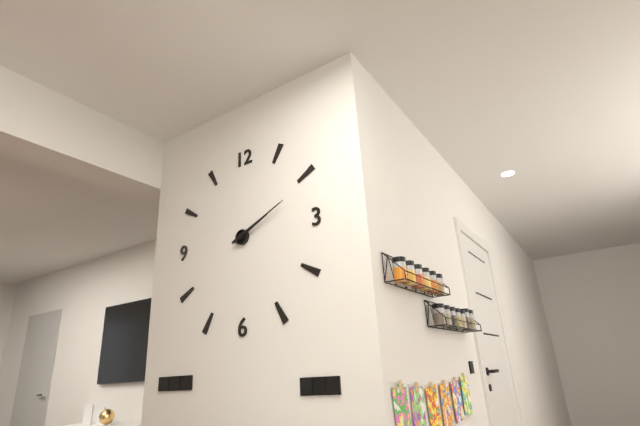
h=2 m=11
